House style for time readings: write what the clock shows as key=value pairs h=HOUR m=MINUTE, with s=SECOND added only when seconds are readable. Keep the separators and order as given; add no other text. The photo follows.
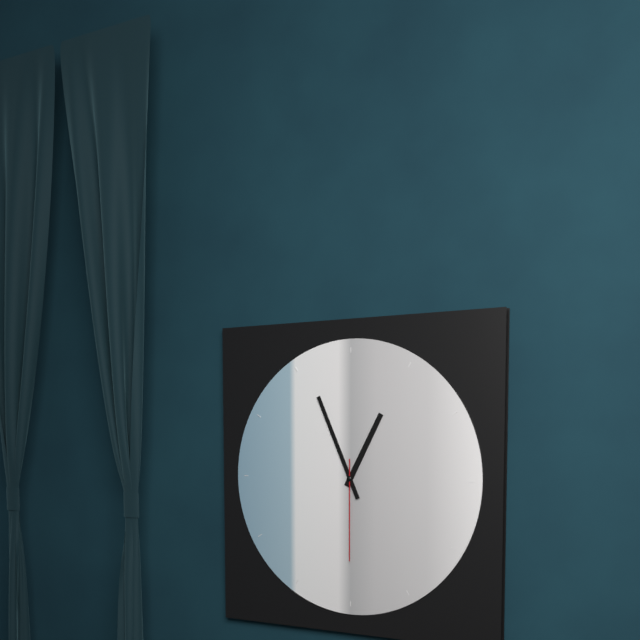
h=12 m=56 s=30
